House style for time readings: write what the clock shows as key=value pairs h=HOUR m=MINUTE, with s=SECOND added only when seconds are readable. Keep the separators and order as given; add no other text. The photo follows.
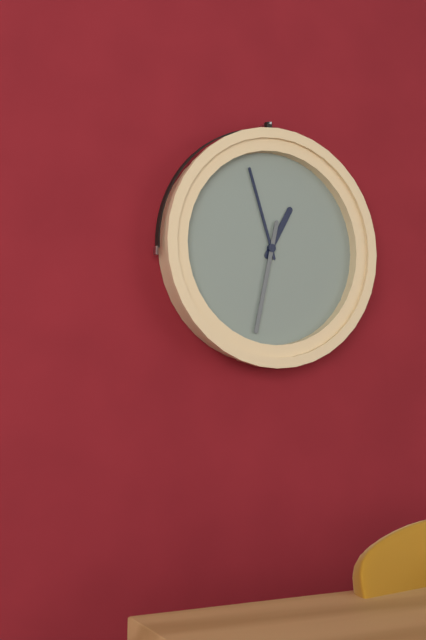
h=12 m=57 s=32
